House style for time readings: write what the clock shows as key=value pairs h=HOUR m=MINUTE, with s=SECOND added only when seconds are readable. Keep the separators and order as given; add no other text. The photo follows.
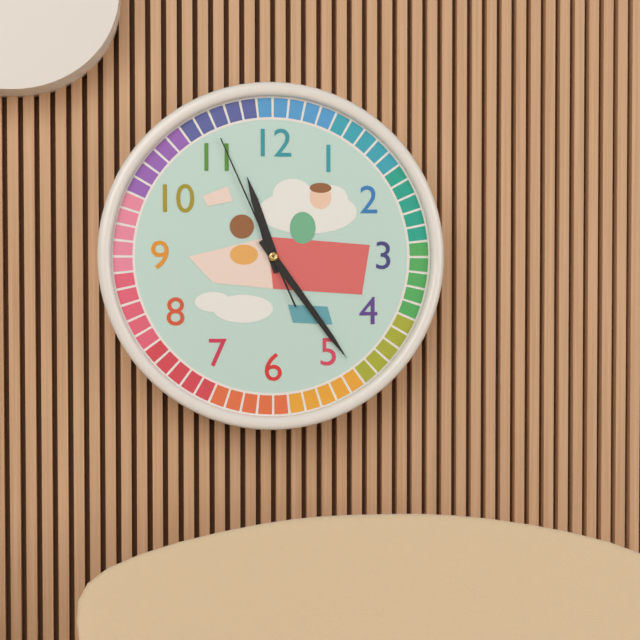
h=11 m=24 s=56
